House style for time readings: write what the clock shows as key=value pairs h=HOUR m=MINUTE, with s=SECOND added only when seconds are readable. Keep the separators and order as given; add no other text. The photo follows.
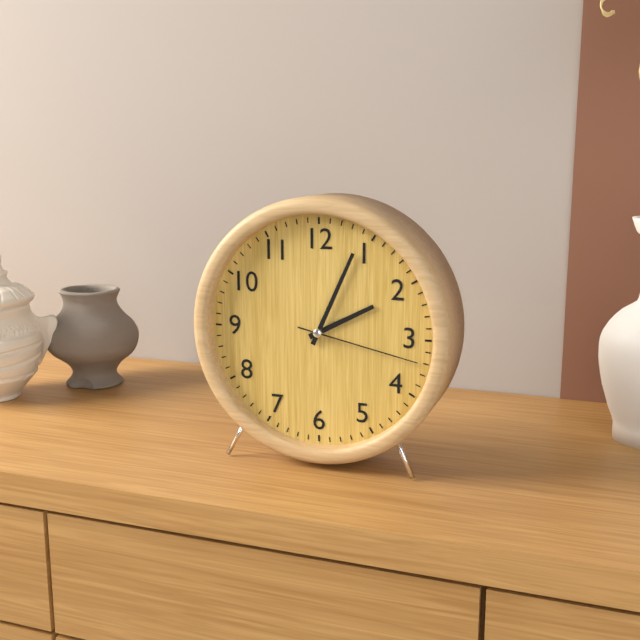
h=2 m=4 s=17
